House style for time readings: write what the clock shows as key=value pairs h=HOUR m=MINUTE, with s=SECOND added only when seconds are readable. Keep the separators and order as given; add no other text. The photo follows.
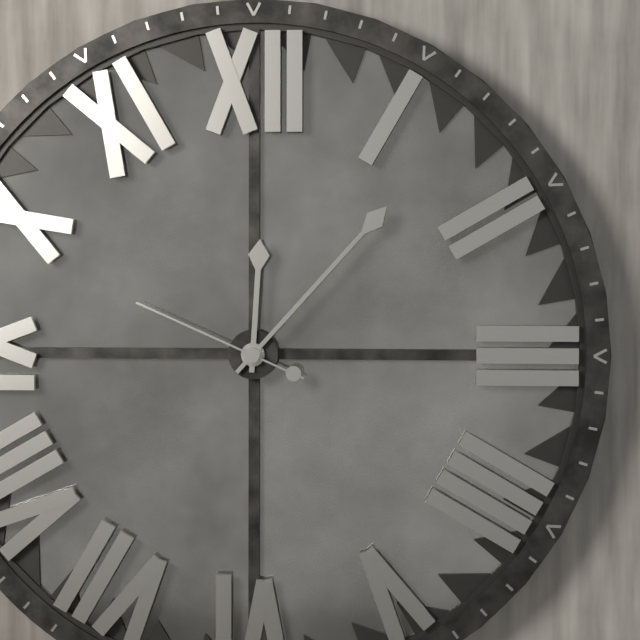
h=12 m=7 s=49
